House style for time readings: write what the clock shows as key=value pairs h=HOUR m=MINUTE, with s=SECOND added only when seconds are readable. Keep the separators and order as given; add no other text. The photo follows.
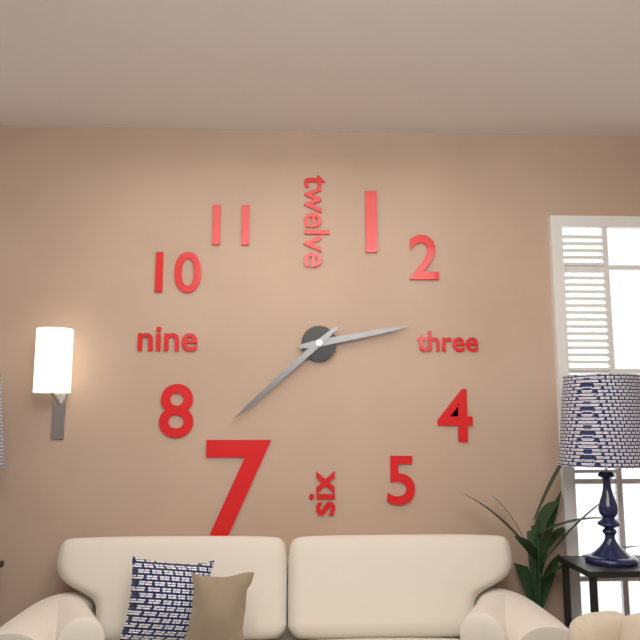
h=2 m=38
